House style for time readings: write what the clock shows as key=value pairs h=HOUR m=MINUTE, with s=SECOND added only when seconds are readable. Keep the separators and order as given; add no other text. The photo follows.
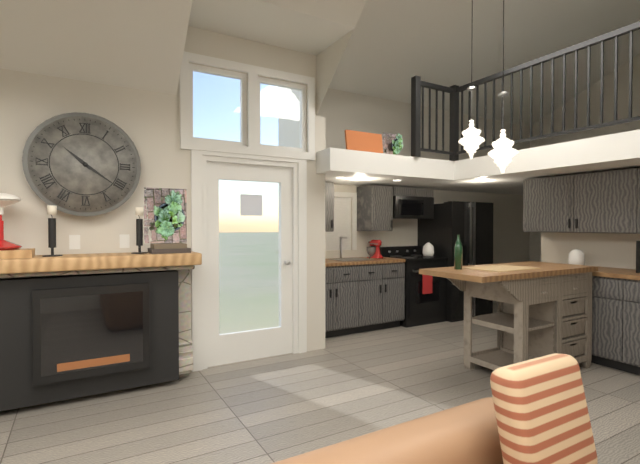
h=10 m=21
